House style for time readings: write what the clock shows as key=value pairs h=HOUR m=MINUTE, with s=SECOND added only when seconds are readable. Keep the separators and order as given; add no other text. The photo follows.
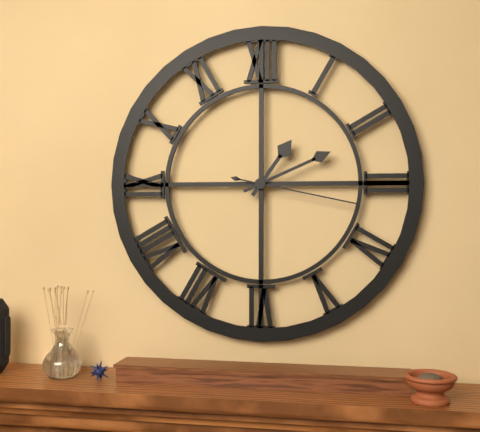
h=1 m=11 s=17
